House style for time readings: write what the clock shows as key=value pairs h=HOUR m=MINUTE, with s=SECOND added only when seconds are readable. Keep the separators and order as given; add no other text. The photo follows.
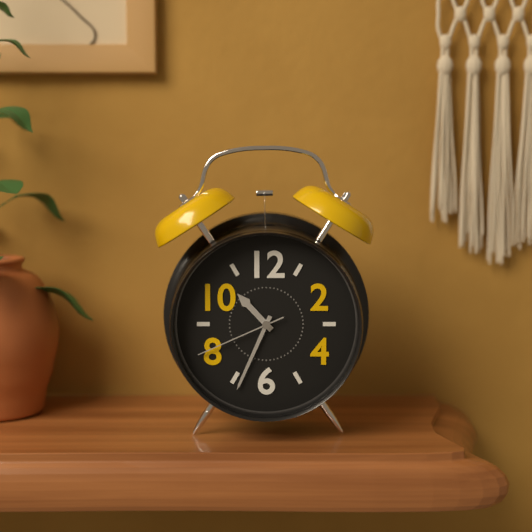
h=10 m=34 s=41
